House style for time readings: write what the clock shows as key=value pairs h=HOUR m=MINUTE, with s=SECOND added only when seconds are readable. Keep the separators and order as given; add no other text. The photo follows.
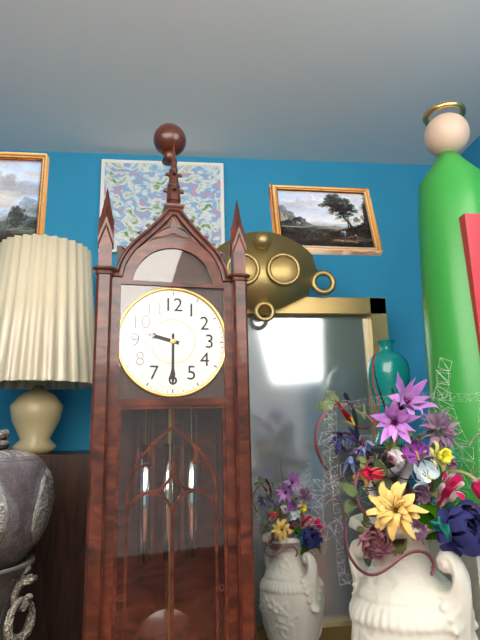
h=9 m=30
